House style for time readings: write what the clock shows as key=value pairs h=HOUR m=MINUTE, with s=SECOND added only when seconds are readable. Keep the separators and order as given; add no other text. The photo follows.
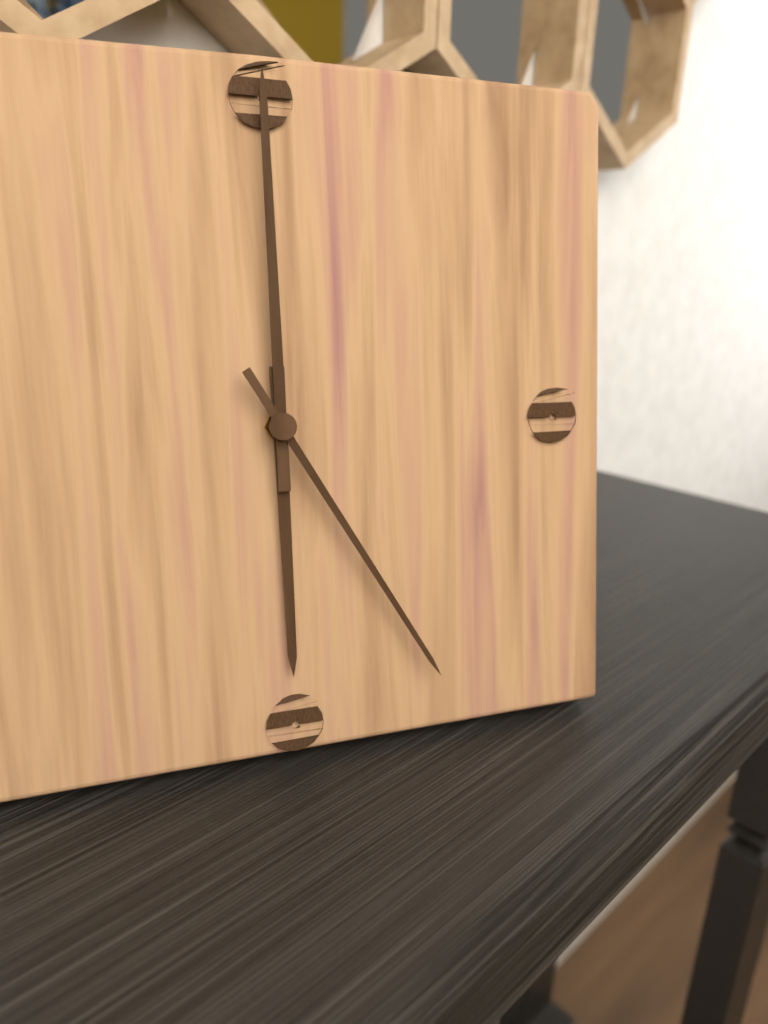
h=6 m=0 s=25
